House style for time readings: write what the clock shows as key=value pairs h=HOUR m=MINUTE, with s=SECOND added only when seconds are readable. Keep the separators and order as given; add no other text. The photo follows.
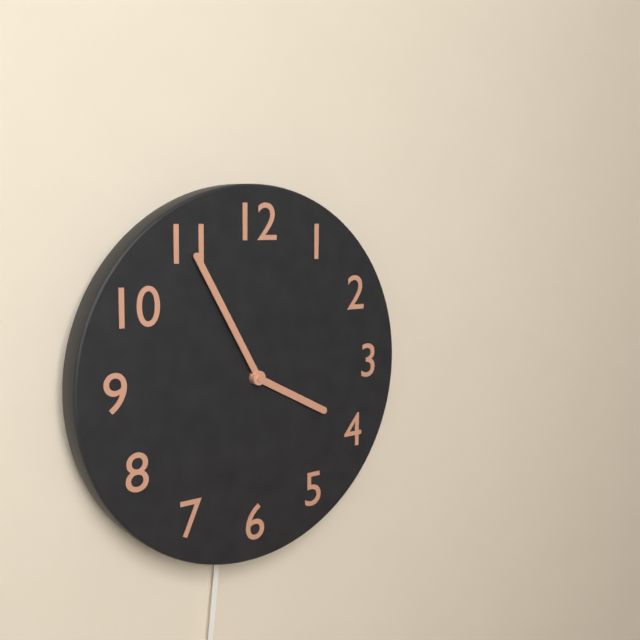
h=3 m=55
